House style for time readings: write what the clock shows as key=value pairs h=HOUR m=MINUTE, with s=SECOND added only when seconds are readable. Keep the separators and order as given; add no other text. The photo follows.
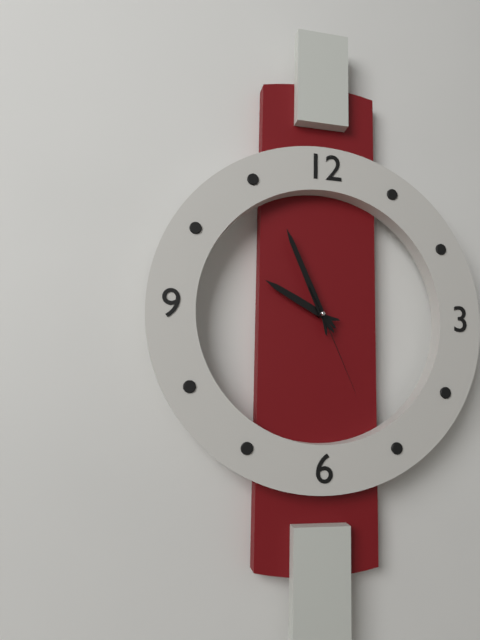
h=9 m=56 s=26
